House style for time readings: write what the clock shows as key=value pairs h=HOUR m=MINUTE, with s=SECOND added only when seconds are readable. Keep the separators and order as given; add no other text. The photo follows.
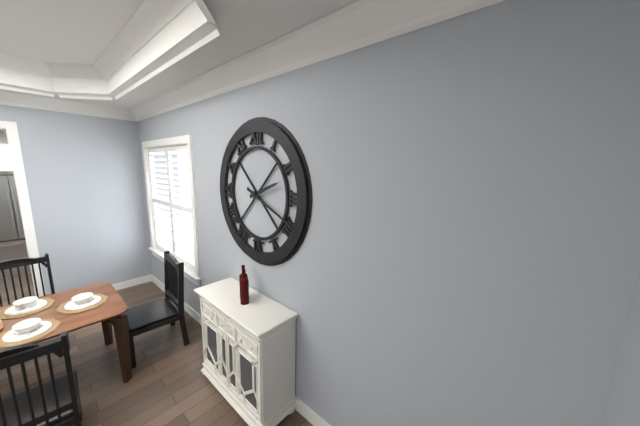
h=2 m=19
